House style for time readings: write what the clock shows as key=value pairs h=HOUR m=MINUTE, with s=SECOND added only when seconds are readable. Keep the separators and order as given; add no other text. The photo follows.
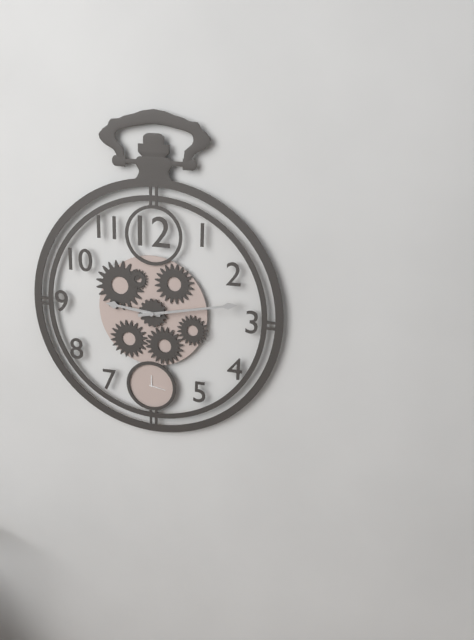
h=9 m=13
